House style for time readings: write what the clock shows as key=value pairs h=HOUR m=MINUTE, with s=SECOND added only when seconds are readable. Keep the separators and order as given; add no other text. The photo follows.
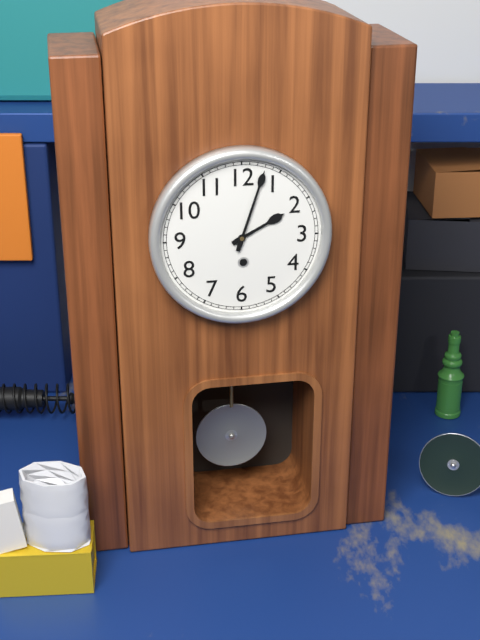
h=2 m=3
